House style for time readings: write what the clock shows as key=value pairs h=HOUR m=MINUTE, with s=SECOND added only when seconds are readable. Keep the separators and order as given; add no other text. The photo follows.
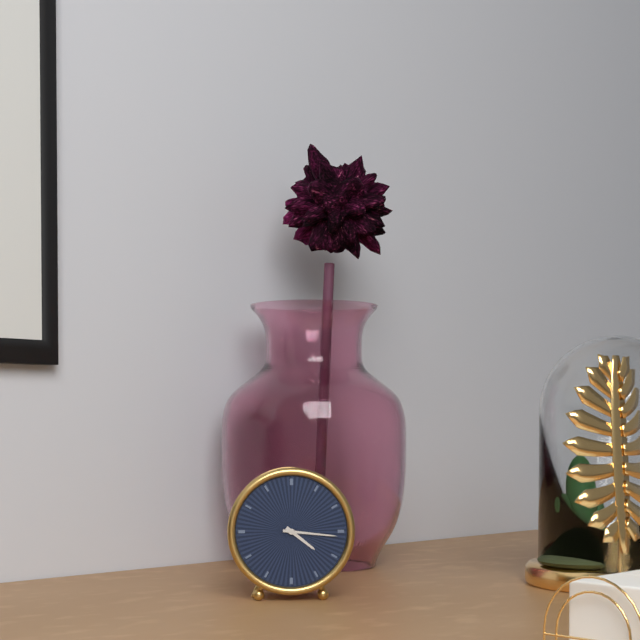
h=4 m=16
